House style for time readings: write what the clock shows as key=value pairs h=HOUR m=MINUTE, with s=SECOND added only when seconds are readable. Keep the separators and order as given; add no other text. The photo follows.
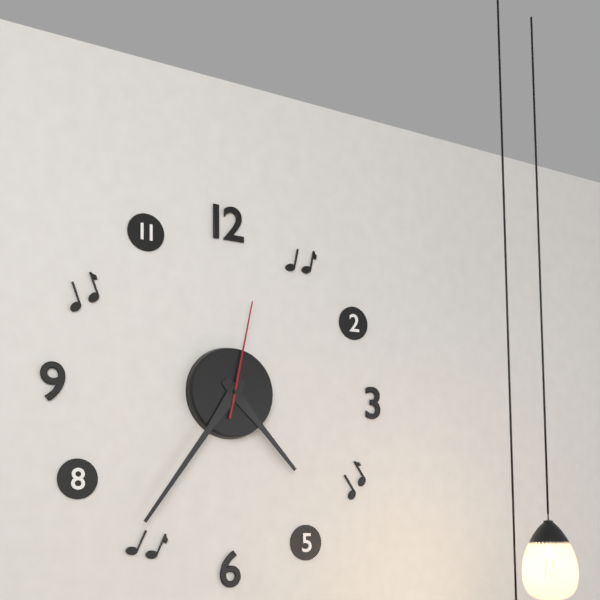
h=4 m=36 s=2
